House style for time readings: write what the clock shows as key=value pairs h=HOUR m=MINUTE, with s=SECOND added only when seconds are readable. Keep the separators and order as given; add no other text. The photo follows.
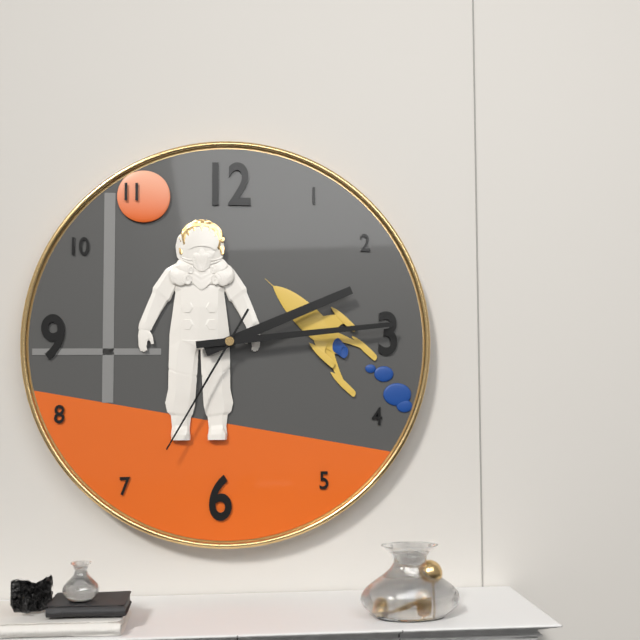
h=2 m=14 s=35
